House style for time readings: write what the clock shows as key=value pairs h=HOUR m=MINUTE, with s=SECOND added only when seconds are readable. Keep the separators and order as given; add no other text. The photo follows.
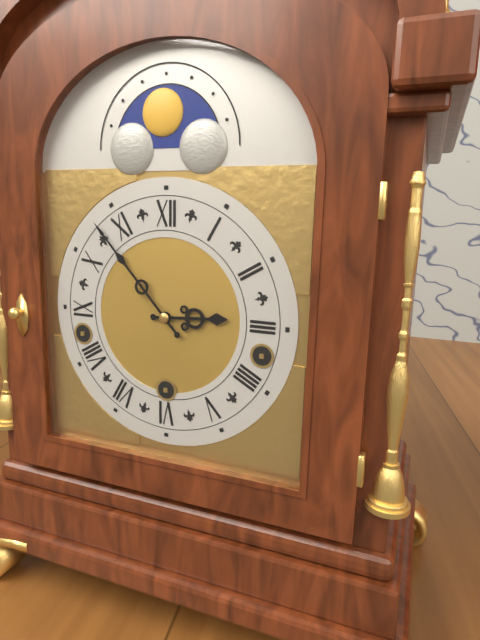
h=2 m=53
